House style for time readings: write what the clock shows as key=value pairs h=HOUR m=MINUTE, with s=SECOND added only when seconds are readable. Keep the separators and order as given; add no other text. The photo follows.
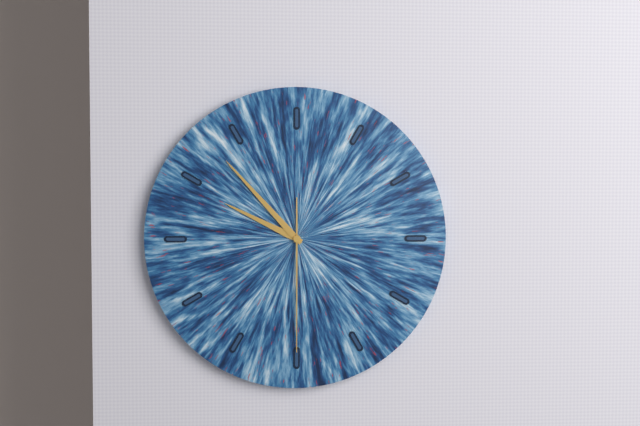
h=9 m=53 s=30
